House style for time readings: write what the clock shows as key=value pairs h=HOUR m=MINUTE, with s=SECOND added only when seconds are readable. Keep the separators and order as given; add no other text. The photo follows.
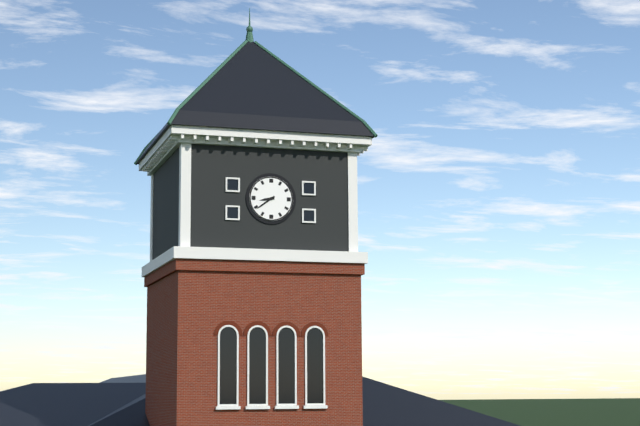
h=8 m=39
